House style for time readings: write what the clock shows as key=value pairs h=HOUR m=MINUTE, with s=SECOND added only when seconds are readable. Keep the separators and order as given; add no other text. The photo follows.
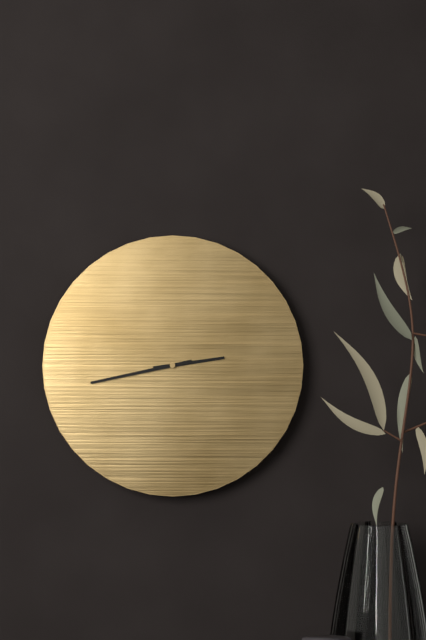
h=2 m=43
